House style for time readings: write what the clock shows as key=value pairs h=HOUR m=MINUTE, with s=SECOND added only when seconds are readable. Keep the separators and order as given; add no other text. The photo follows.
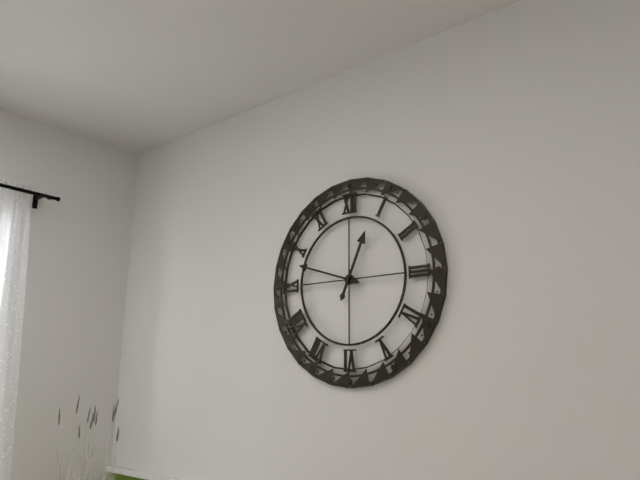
h=12 m=48
